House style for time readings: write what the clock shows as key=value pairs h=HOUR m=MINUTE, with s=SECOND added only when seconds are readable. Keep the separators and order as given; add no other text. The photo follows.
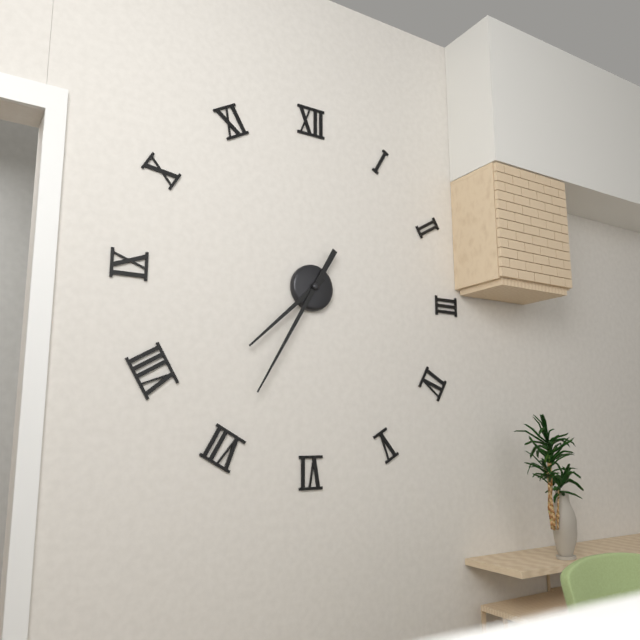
h=7 m=35
